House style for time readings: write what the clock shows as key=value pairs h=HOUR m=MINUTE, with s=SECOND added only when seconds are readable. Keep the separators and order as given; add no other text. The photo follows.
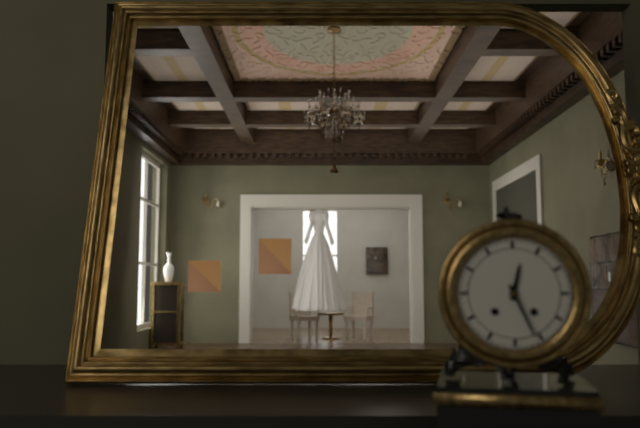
h=12 m=26
